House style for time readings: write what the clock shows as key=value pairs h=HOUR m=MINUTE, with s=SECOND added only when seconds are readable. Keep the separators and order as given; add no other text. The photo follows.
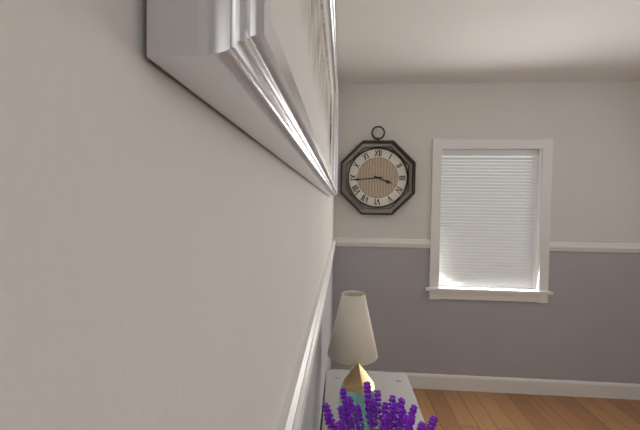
h=3 m=44
